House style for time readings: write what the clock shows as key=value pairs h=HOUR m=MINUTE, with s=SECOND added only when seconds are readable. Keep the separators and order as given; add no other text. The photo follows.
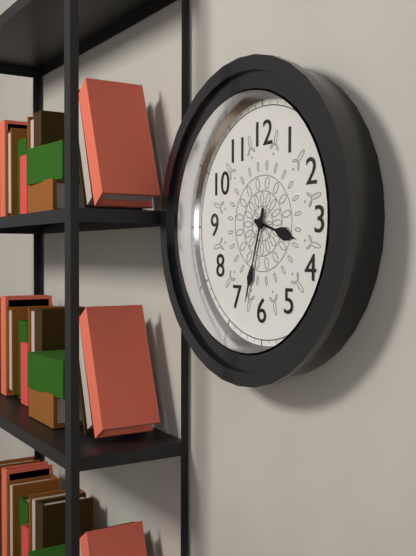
h=3 m=33
